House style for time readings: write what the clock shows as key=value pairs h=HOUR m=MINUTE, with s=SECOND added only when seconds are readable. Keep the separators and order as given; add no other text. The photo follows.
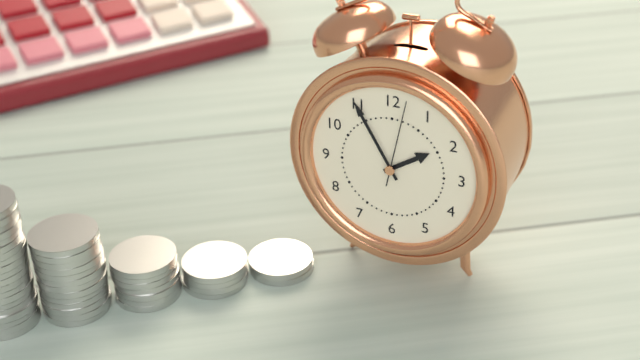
h=1 m=55 s=2
